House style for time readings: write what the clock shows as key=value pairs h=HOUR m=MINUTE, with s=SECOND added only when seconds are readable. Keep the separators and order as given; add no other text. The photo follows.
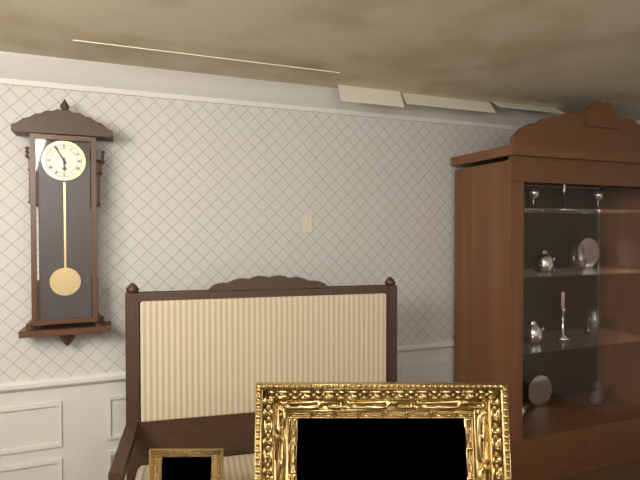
h=5 m=55
